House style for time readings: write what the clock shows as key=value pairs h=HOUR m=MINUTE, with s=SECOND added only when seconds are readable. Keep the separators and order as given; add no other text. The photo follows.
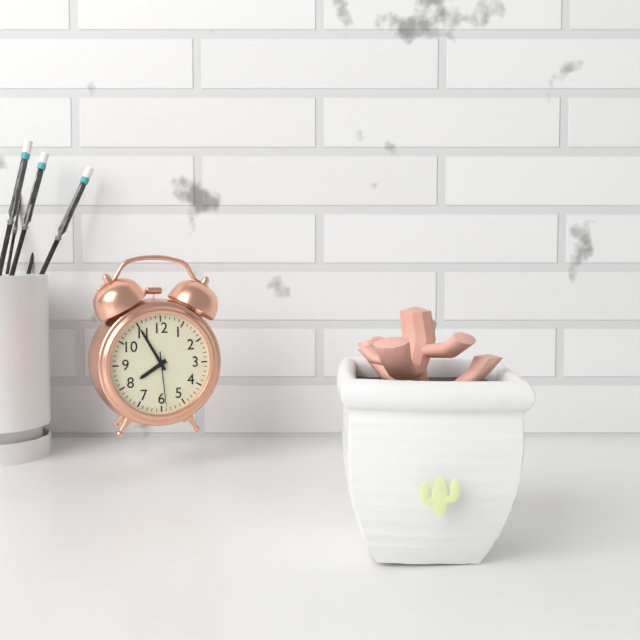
h=7 m=55 s=29
